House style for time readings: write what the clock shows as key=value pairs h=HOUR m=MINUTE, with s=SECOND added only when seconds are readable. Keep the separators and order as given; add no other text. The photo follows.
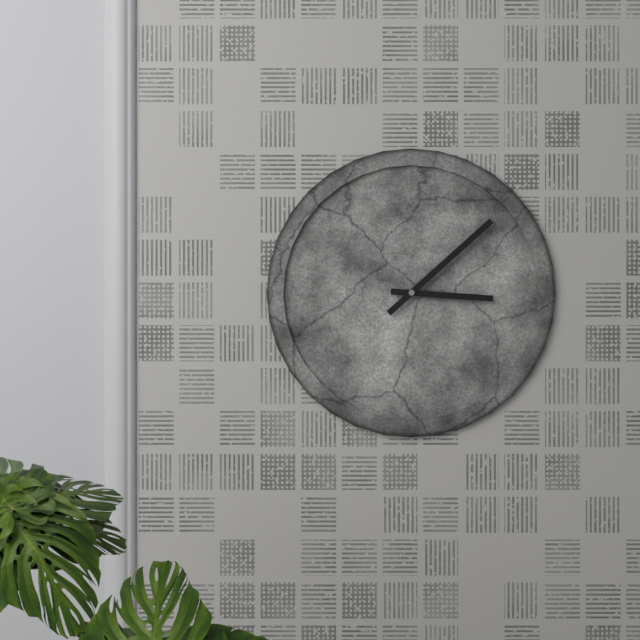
h=3 m=8
